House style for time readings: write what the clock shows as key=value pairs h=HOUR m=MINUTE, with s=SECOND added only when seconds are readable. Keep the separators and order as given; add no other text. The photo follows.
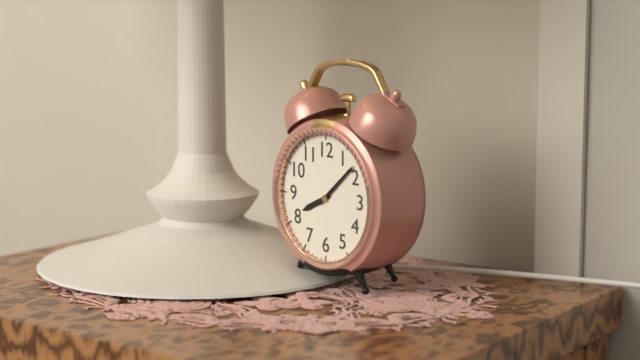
h=8 m=8
